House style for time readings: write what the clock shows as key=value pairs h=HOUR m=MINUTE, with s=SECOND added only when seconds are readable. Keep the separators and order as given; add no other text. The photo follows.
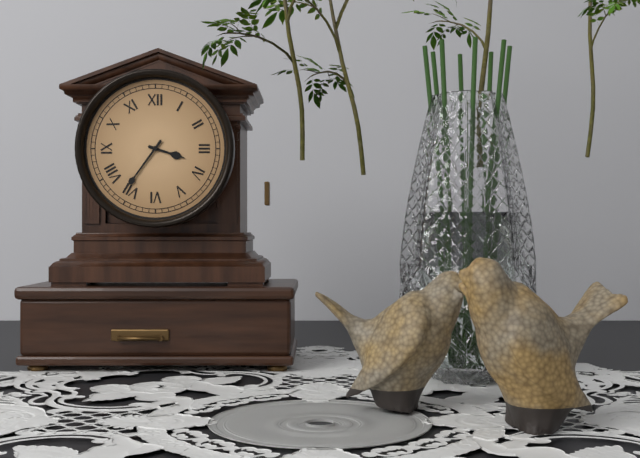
h=3 m=36
